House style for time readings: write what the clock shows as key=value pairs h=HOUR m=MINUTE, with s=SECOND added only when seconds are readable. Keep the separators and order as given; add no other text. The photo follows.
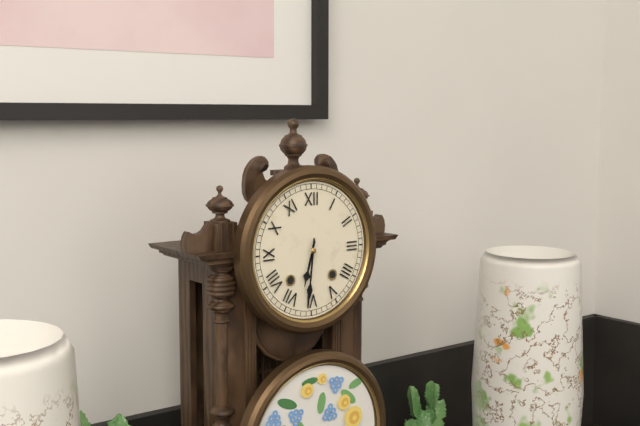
h=6 m=31
